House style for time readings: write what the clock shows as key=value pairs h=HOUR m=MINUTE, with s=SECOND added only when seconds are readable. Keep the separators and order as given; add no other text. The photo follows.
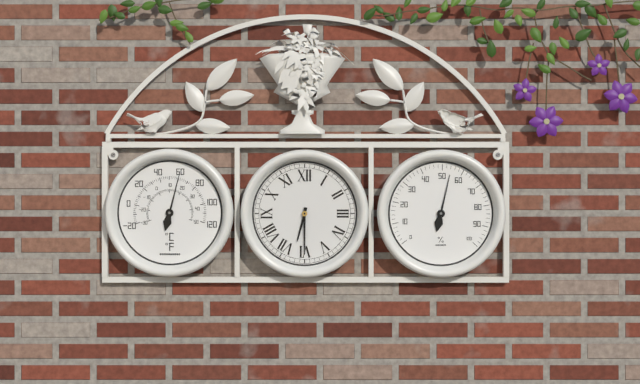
h=6 m=30
